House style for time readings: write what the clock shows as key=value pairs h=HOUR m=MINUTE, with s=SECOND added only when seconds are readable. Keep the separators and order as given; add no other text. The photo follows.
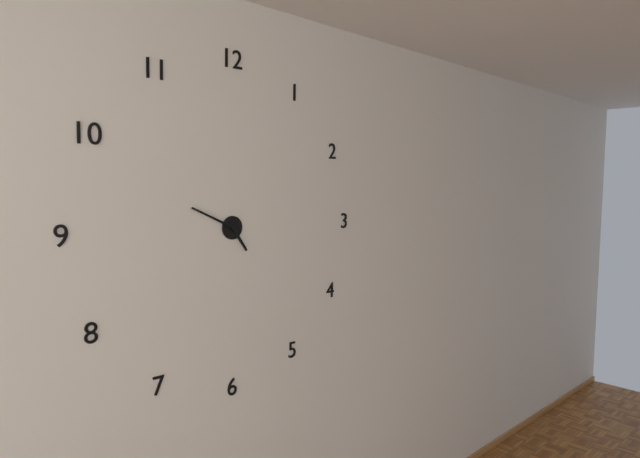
h=4 m=49
